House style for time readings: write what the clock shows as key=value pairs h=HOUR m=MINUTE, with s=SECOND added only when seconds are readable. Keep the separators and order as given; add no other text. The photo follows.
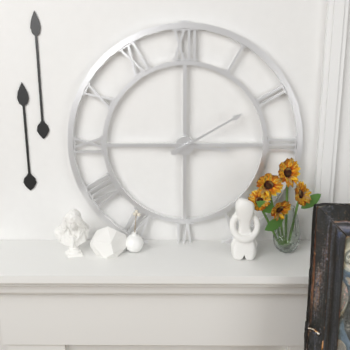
h=3 m=10
